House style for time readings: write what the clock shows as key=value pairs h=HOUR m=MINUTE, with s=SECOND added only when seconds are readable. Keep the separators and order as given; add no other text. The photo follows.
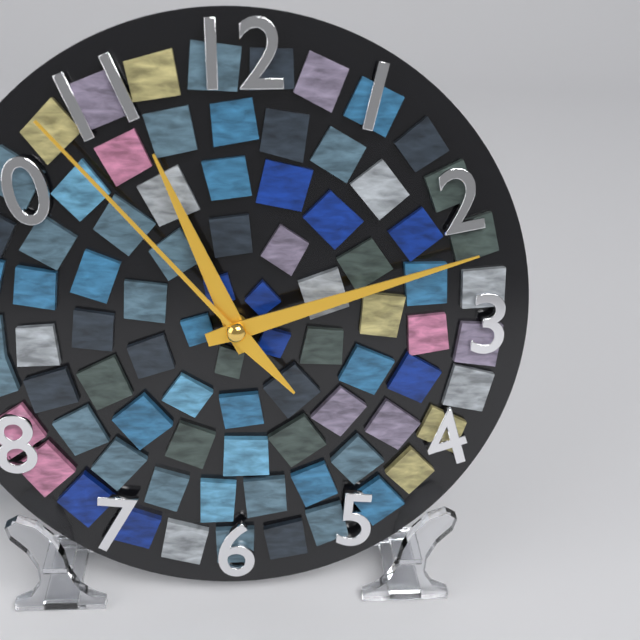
h=11 m=12 s=53
